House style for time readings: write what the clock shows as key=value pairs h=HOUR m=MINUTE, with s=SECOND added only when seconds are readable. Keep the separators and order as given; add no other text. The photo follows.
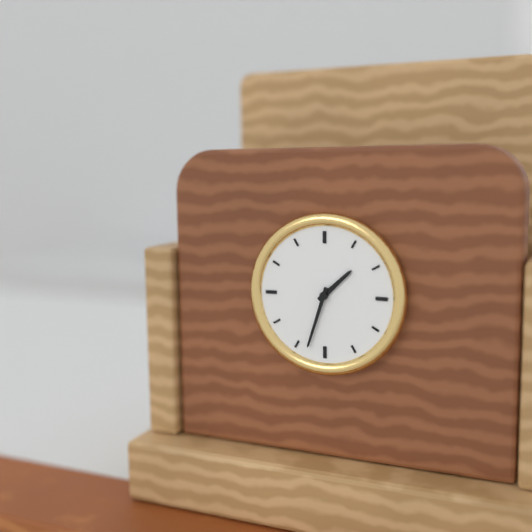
h=1 m=33
